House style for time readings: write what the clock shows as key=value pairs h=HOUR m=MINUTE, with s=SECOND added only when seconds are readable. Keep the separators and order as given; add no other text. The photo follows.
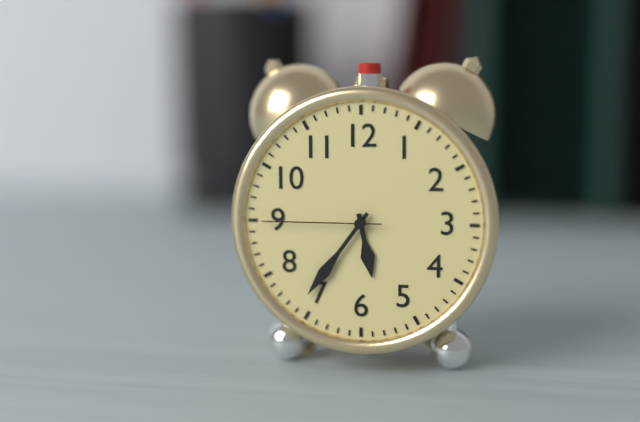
h=5 m=36 s=45
